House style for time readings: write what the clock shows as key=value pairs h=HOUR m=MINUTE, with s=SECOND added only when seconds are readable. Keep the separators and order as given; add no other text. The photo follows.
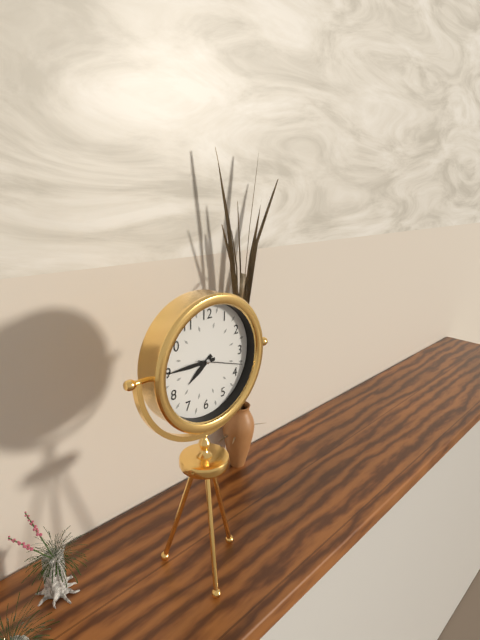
h=7 m=45
